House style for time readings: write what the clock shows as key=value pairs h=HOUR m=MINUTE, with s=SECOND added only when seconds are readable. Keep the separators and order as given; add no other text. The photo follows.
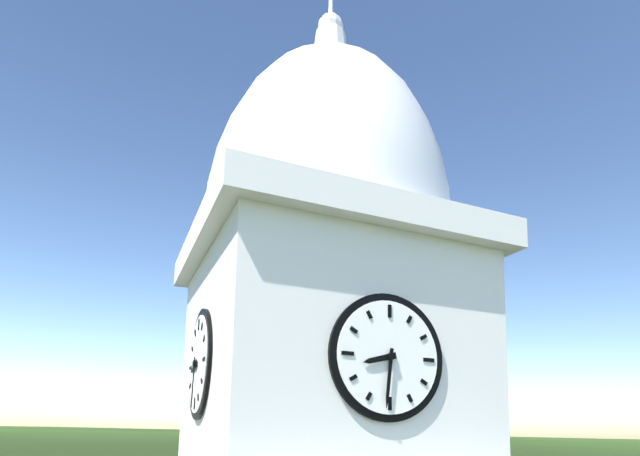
h=8 m=31
